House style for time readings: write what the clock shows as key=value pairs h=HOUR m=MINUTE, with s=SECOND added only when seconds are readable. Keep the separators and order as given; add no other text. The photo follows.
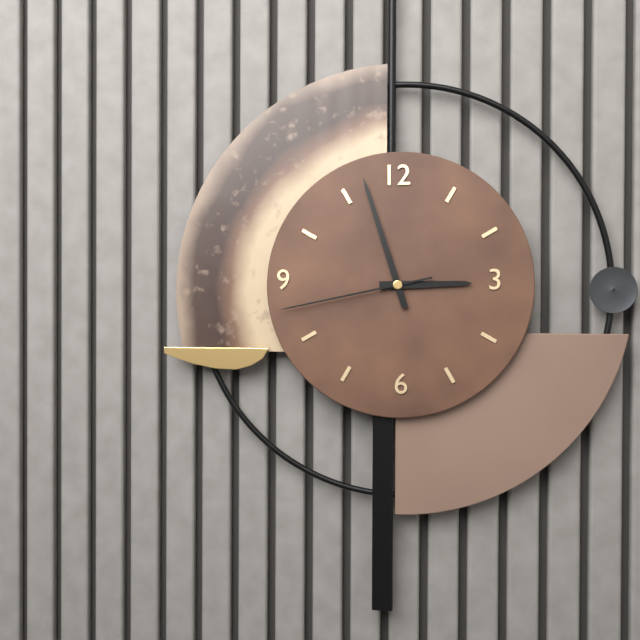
h=2 m=57 s=43
